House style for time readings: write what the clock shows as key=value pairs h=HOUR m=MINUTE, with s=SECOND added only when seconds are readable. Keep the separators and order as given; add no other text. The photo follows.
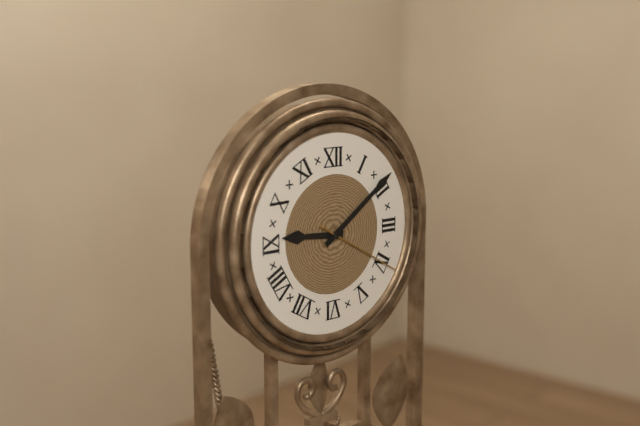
h=9 m=9 s=20
